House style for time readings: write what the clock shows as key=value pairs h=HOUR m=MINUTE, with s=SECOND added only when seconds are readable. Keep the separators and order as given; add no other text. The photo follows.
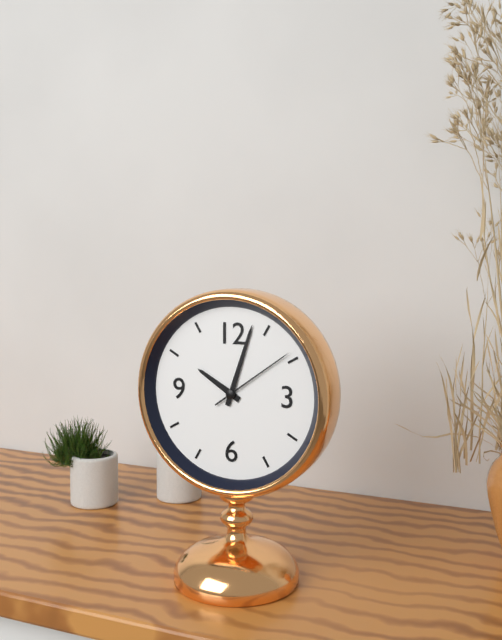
h=10 m=3 s=9
